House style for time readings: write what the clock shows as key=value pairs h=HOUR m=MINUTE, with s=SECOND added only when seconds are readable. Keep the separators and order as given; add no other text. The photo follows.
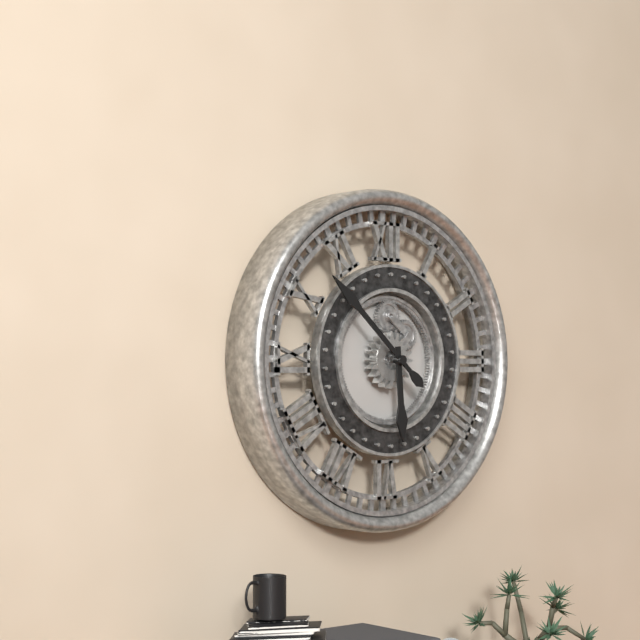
h=5 m=52
